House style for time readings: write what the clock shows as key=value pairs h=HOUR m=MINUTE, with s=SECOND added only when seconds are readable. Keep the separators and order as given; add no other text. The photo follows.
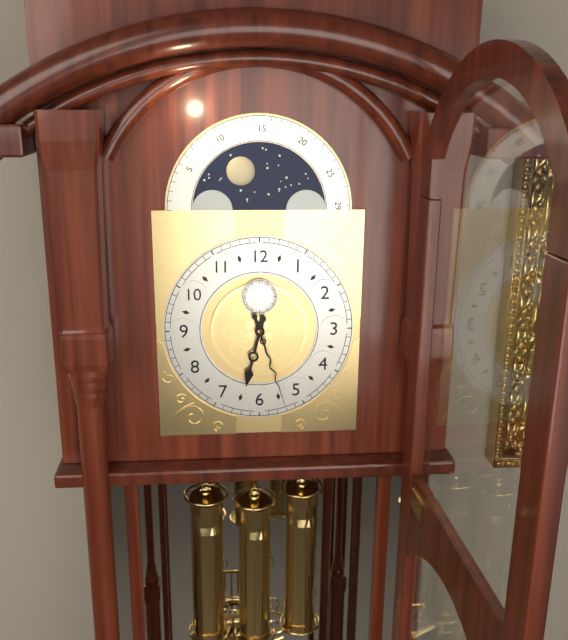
h=6 m=27
